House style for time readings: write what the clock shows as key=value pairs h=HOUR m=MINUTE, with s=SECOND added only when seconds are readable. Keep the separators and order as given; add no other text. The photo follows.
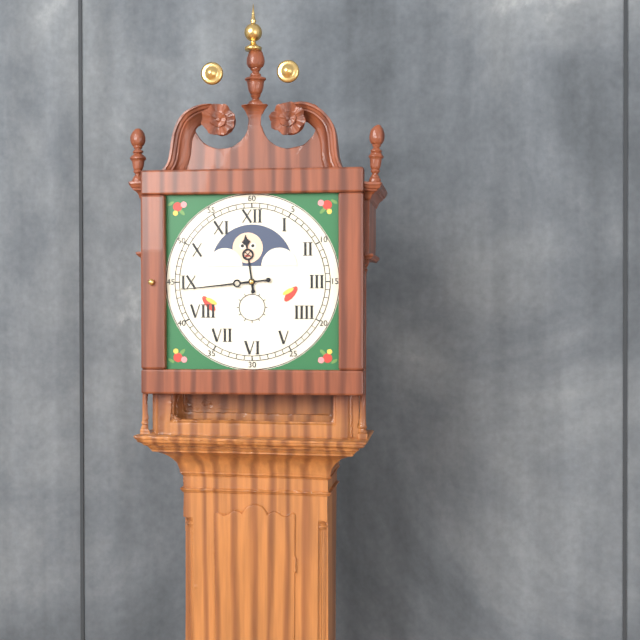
h=11 m=44
